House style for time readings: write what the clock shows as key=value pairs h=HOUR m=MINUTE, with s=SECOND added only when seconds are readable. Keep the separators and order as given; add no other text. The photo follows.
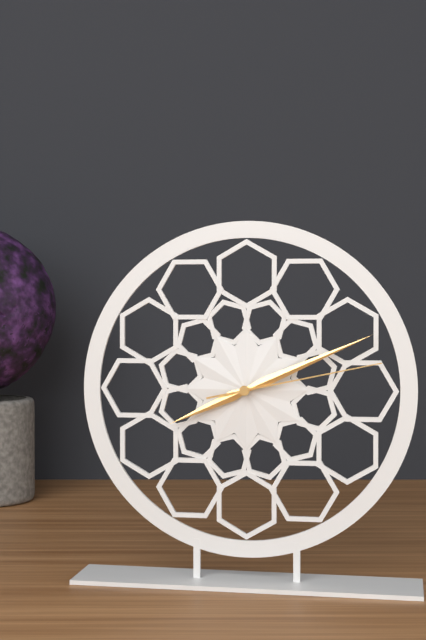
h=8 m=11 s=13
